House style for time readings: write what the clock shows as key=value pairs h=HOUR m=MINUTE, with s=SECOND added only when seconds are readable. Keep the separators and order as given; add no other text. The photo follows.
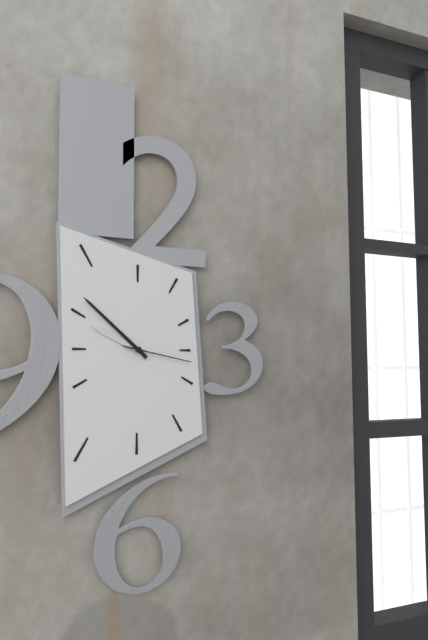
h=9 m=52 s=17
